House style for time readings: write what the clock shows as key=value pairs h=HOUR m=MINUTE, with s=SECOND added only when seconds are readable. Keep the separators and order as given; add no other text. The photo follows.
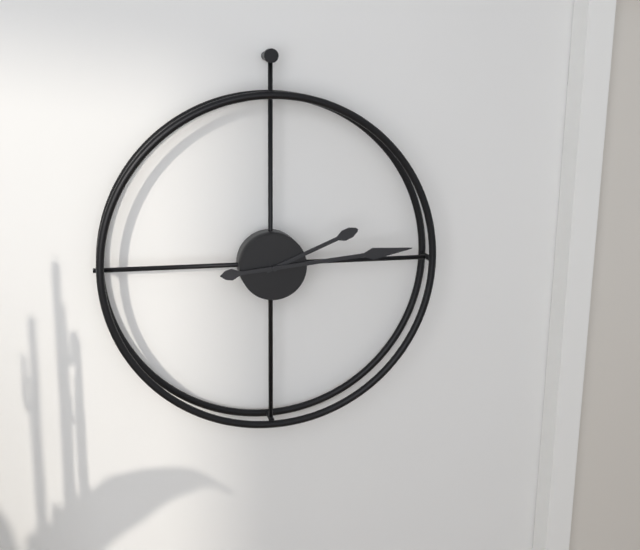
h=2 m=14
